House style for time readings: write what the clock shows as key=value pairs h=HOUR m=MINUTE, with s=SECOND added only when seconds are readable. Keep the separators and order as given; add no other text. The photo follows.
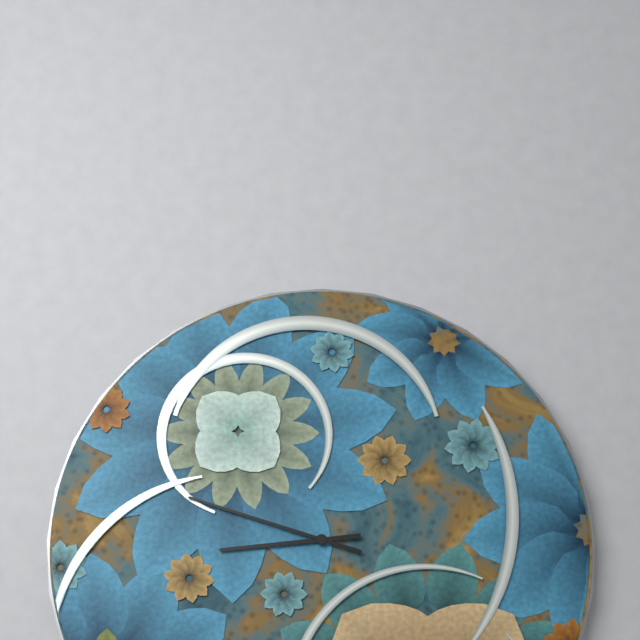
h=8 m=48
